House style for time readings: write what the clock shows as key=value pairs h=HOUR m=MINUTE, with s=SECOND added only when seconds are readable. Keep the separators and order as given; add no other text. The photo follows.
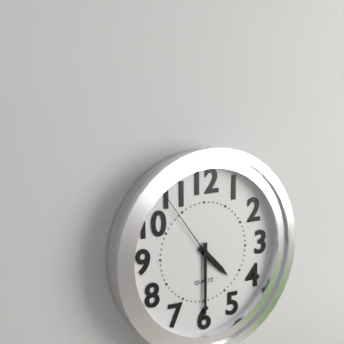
h=4 m=30 s=54
